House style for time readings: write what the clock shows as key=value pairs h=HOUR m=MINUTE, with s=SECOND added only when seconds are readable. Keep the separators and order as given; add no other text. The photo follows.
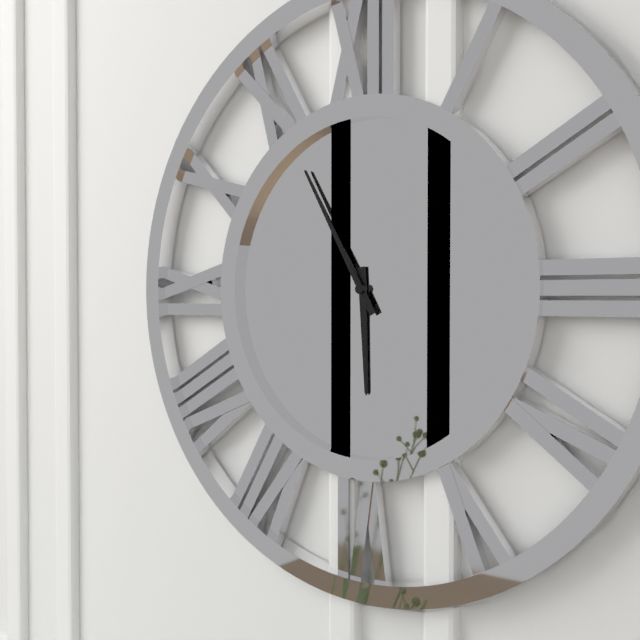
h=5 m=55
